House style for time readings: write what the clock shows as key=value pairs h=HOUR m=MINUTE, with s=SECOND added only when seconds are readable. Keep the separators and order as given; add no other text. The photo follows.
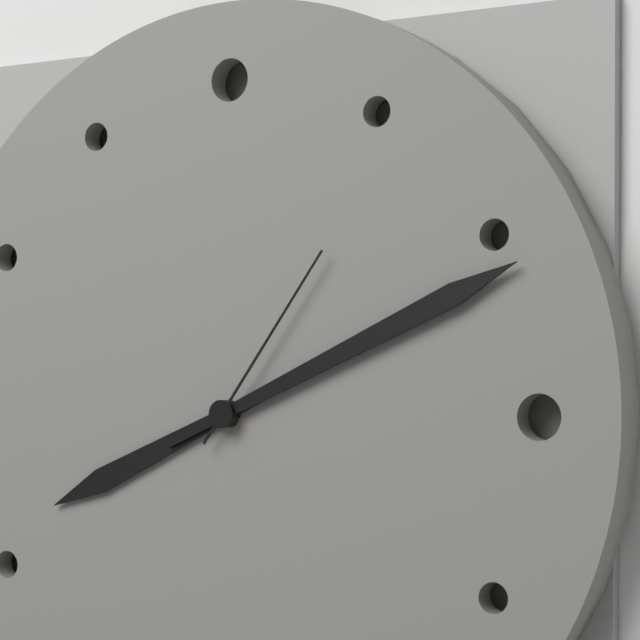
h=8 m=11 s=6
